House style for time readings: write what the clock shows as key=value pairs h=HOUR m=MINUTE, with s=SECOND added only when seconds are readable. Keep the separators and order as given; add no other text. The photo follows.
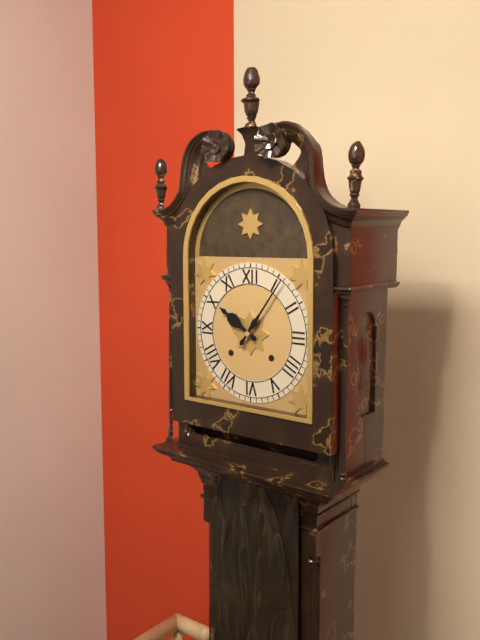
h=10 m=6
